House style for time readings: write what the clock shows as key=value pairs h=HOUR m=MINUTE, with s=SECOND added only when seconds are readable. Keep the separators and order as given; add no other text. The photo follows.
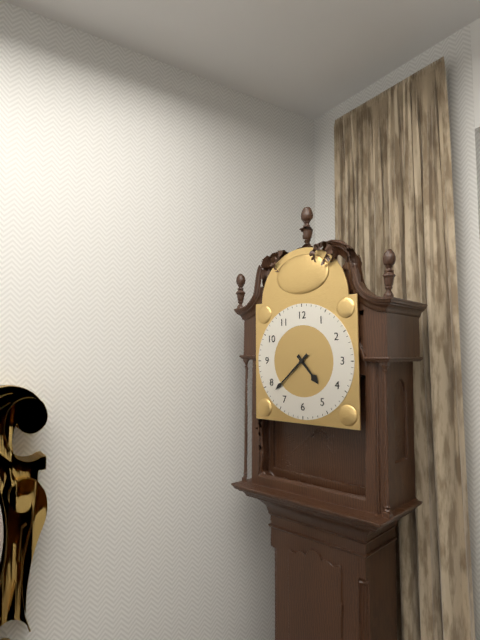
h=4 m=38
